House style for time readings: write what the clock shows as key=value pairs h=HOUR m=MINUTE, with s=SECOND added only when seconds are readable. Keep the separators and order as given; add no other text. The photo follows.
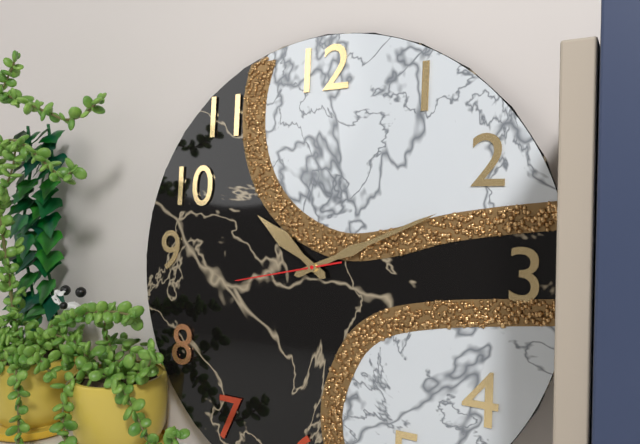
h=10 m=11 s=43
